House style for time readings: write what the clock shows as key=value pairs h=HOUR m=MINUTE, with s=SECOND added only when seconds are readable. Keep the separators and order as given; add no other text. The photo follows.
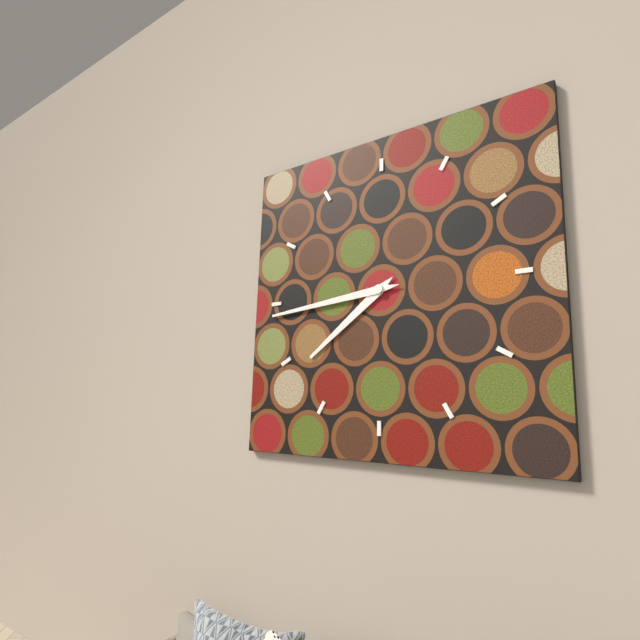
h=7 m=44
